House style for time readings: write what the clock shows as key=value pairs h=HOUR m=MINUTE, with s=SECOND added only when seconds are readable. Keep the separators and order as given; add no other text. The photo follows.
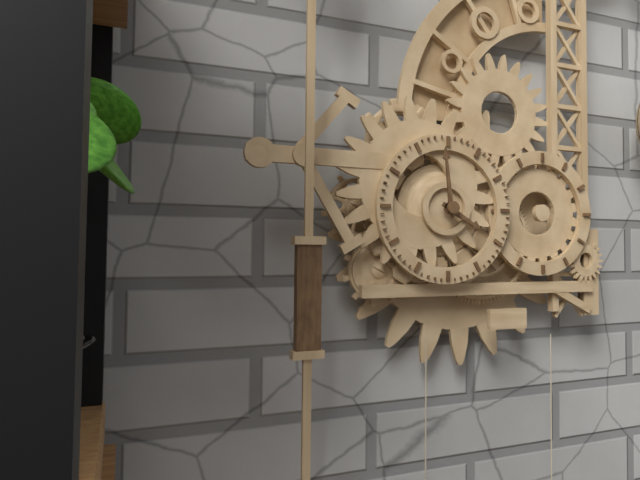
h=3 m=59
